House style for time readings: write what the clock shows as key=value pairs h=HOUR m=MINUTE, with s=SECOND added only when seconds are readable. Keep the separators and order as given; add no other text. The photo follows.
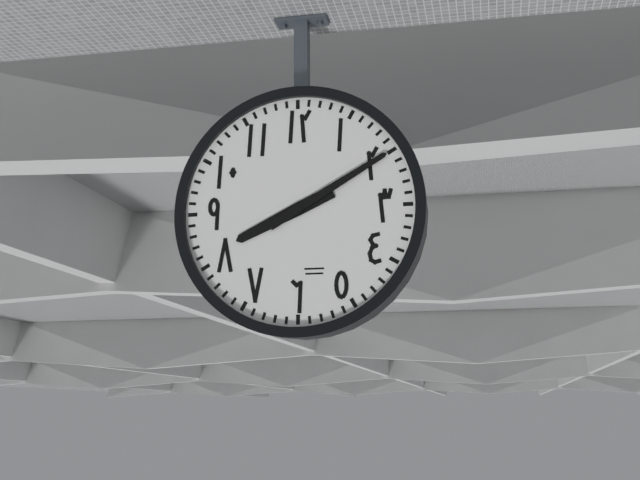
h=8 m=10
